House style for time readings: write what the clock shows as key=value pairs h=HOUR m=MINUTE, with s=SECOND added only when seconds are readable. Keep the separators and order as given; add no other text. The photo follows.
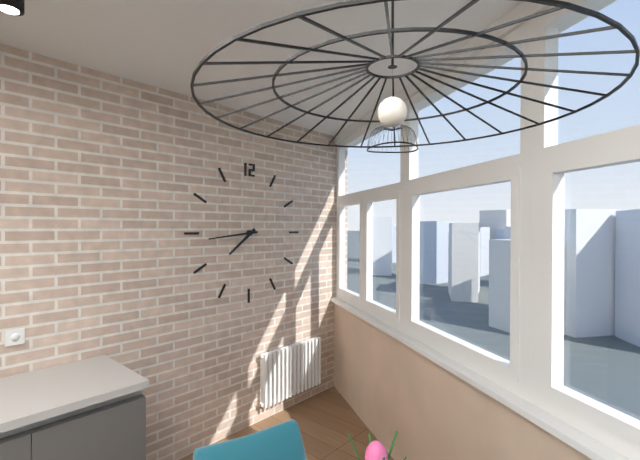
h=7 m=44
